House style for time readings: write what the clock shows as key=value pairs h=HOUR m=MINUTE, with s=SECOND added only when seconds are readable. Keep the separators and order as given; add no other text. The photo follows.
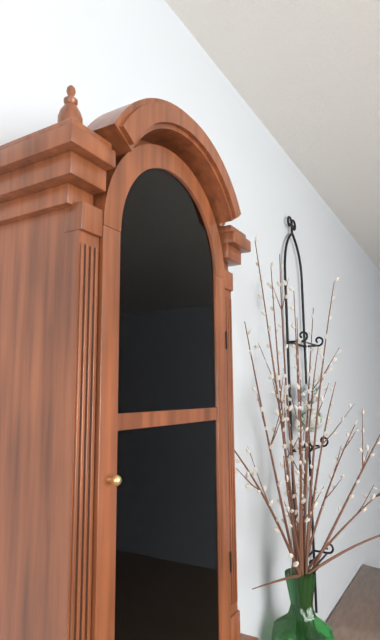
h=1 m=0
